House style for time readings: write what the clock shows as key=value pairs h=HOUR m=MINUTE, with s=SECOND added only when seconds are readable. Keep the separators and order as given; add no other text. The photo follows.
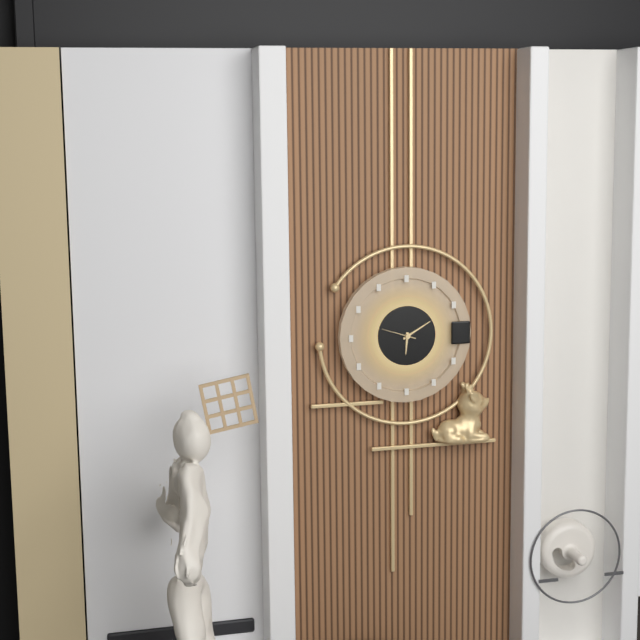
h=6 m=10
